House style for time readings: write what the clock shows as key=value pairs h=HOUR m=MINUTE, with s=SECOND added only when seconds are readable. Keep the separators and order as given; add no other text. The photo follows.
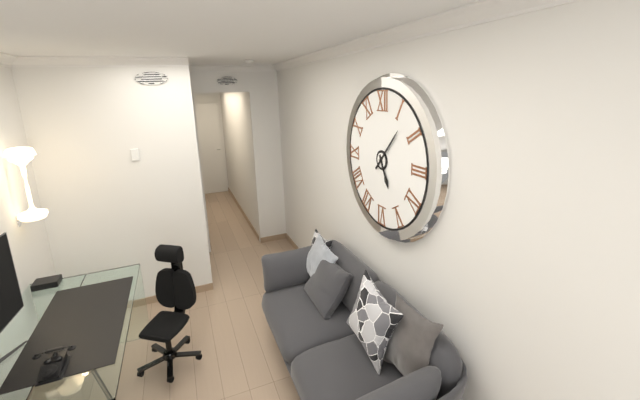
h=5 m=7
